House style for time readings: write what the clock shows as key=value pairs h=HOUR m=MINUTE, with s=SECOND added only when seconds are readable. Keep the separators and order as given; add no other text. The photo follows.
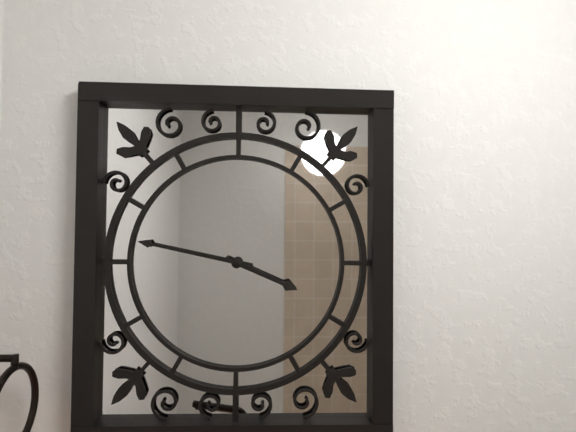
h=3 m=47
